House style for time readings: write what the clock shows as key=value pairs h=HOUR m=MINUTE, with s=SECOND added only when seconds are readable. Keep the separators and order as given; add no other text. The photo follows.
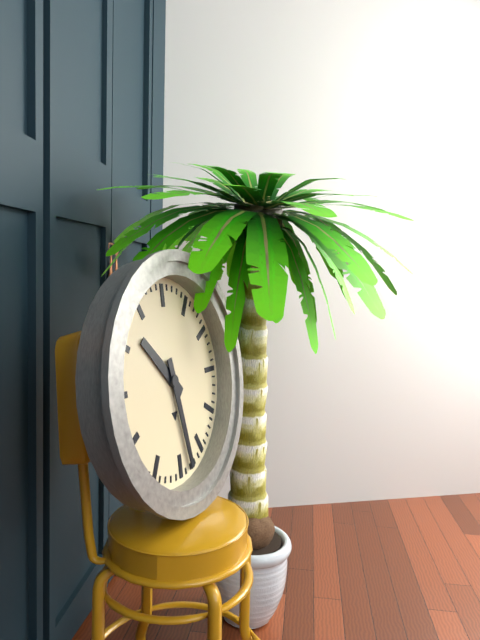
h=10 m=28
